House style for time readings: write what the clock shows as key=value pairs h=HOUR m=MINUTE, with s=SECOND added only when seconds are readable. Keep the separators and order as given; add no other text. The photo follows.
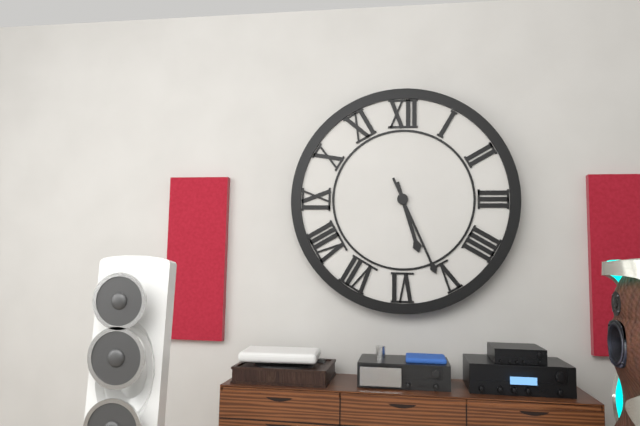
h=5 m=26
